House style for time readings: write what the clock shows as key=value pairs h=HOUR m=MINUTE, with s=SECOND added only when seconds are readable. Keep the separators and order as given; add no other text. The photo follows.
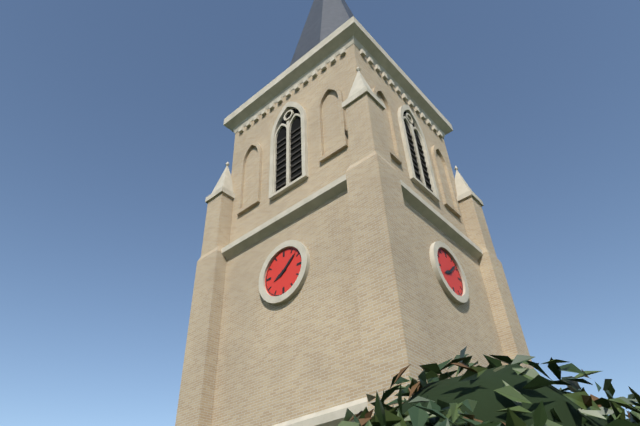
h=8 m=8
